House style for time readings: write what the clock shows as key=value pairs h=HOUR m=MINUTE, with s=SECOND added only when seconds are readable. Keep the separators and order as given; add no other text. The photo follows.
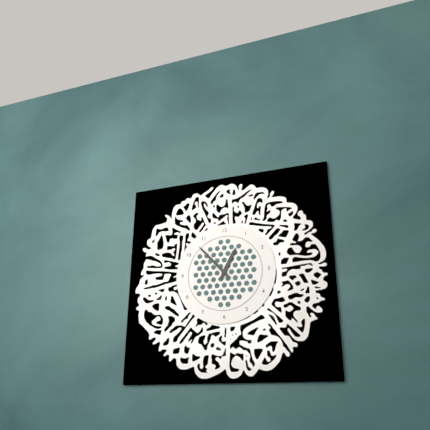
h=12 m=53
